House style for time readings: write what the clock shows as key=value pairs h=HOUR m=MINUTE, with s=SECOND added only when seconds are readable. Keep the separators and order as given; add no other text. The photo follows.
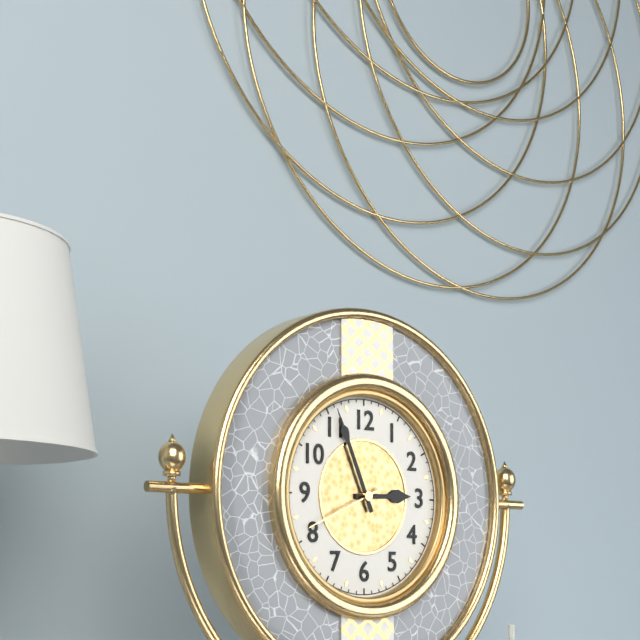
h=2 m=56 s=41
